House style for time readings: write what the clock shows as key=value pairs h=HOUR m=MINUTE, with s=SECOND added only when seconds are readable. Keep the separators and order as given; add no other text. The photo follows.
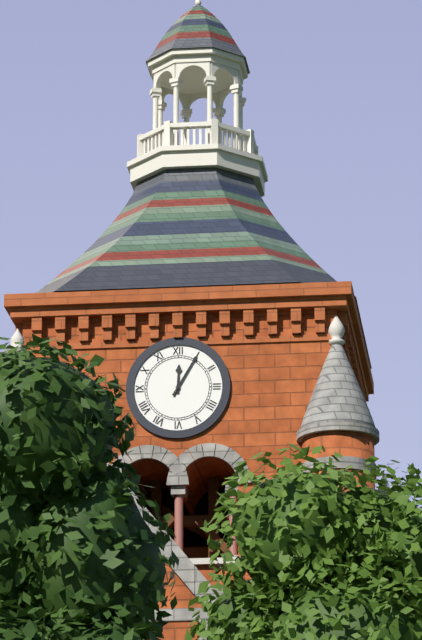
h=12 m=5
